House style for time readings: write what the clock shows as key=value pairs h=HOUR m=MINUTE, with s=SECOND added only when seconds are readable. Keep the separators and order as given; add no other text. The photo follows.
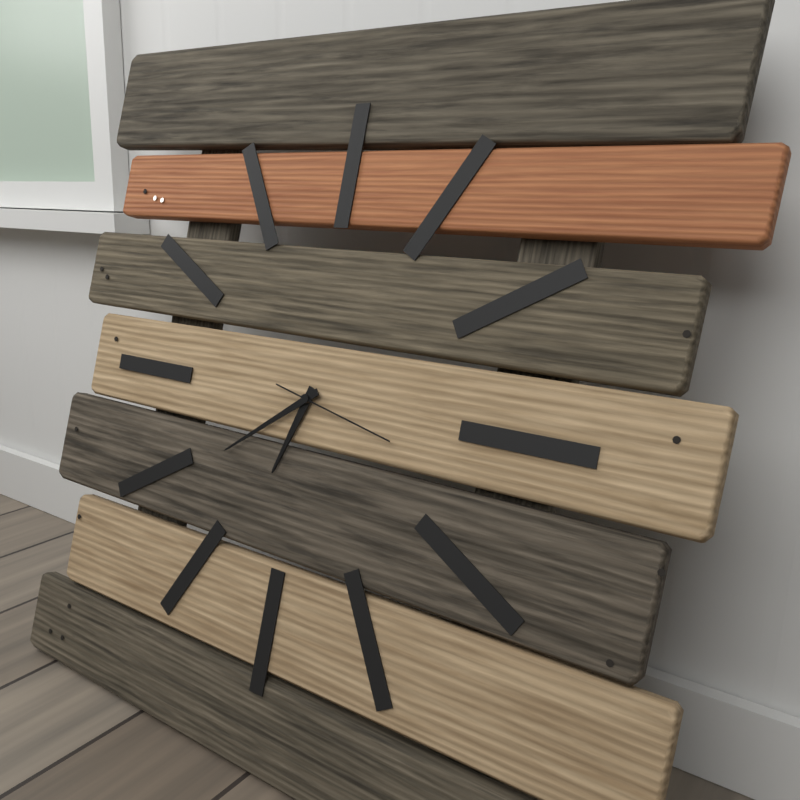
h=6 m=39 s=17
